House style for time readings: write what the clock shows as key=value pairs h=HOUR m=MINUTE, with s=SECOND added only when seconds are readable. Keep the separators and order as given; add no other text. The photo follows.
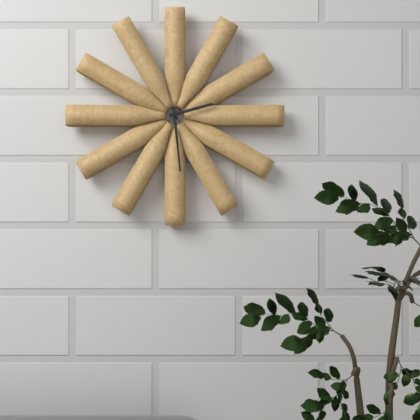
h=2 m=29
